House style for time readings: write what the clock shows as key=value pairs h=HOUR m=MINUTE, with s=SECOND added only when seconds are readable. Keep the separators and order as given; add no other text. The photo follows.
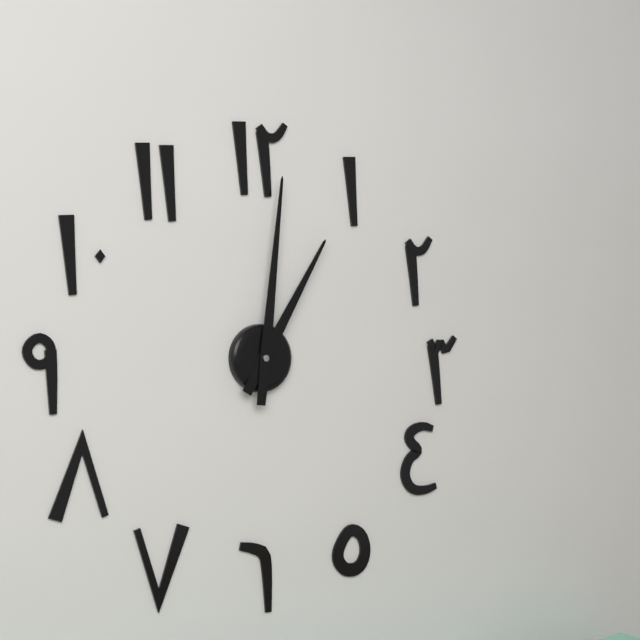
h=1 m=1
